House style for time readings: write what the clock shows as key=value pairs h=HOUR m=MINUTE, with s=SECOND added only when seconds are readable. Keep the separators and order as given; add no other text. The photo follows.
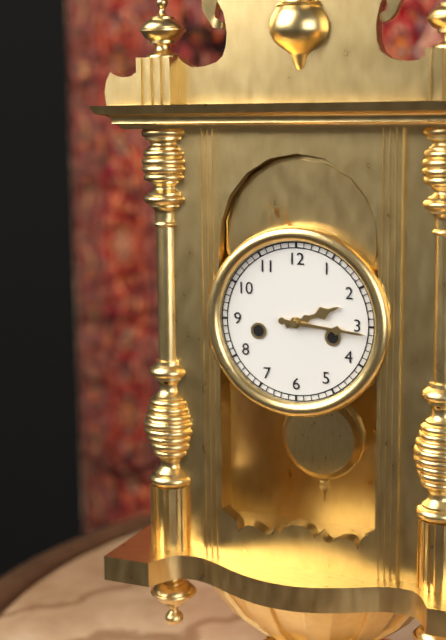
h=2 m=16
